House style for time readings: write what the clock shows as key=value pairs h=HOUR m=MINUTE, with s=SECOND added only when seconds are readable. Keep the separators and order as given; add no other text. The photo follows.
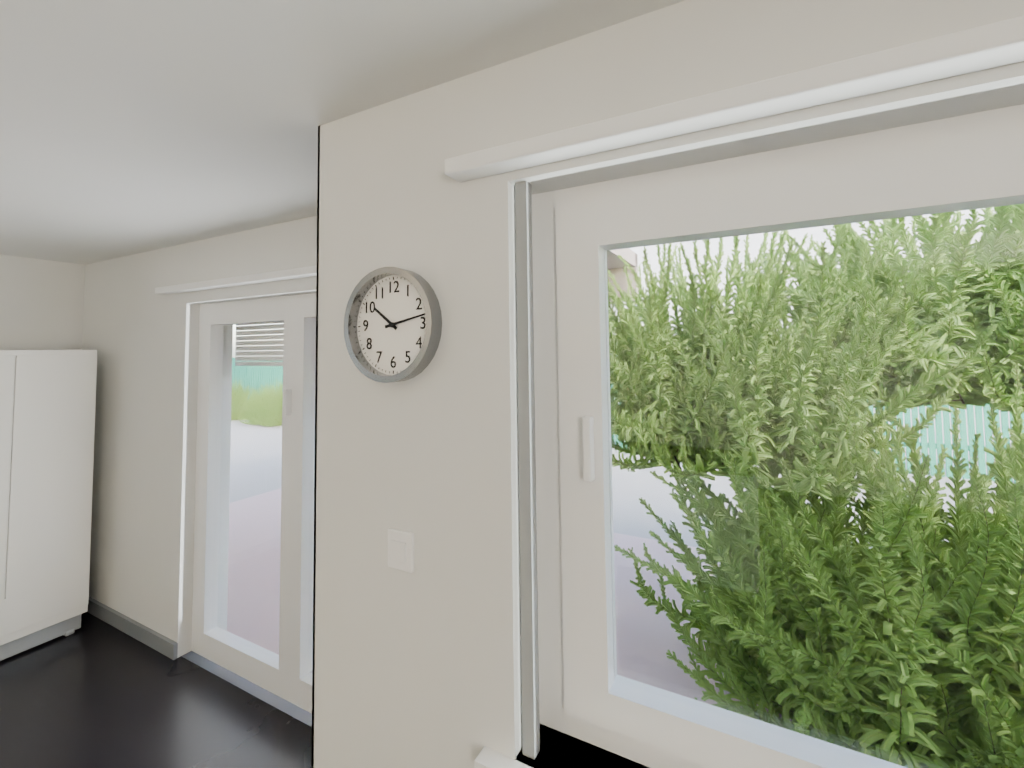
h=10 m=13
